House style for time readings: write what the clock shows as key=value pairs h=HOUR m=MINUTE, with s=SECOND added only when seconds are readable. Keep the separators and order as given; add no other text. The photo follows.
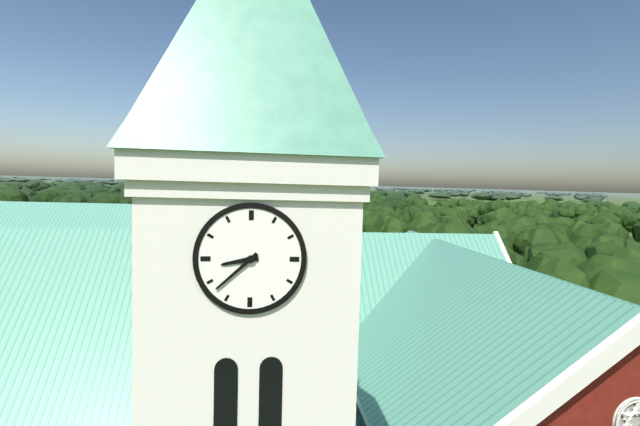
h=8 m=38
